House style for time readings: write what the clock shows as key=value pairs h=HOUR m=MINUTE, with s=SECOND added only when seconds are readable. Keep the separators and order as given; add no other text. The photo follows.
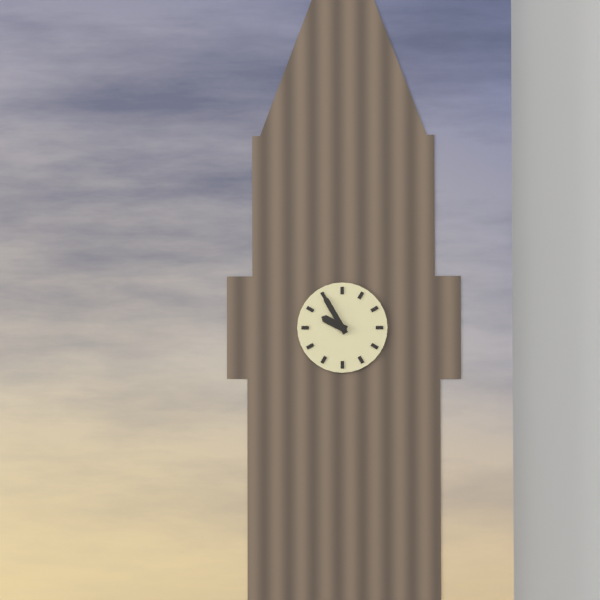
h=9 m=55
